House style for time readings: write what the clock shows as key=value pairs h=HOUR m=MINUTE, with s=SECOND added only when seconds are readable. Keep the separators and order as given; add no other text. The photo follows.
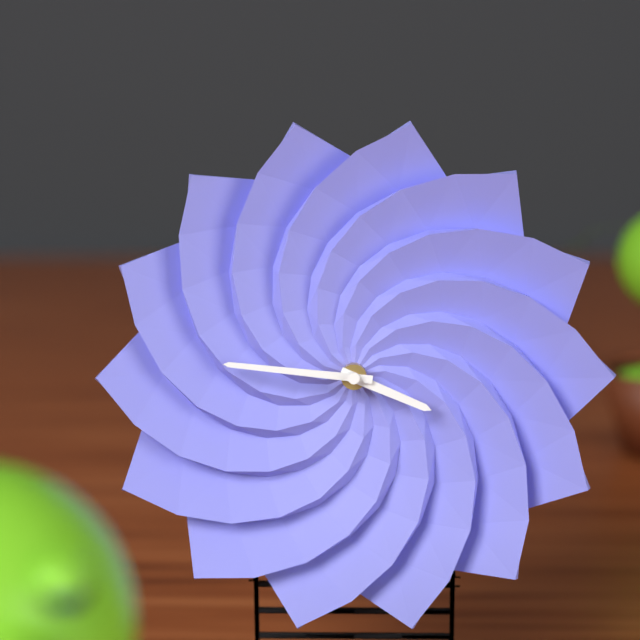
h=3 m=46
